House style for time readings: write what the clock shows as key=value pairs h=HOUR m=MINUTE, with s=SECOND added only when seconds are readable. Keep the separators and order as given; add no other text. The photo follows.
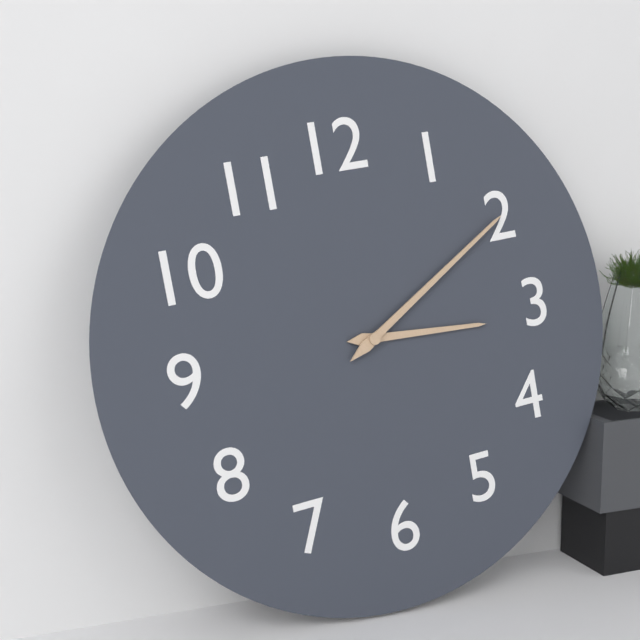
h=3 m=10
